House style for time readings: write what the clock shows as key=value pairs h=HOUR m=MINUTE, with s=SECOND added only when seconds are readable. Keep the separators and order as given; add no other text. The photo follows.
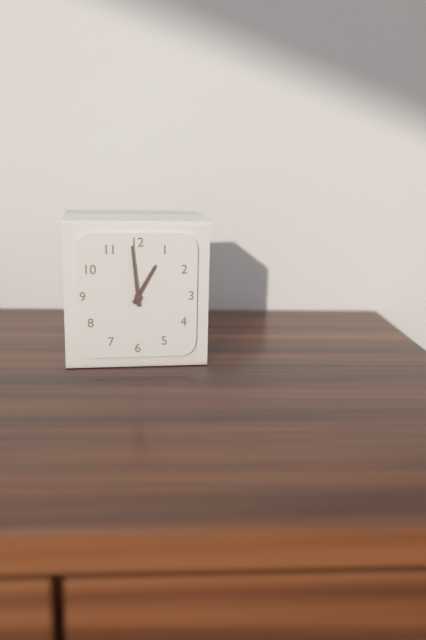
h=12 m=59
